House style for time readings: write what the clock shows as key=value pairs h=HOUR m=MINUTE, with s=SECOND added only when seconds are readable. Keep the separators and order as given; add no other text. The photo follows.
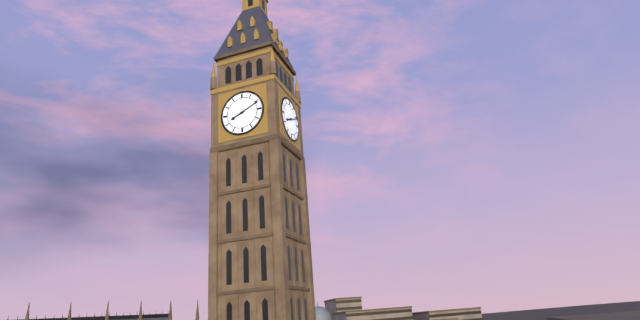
h=8 m=11
